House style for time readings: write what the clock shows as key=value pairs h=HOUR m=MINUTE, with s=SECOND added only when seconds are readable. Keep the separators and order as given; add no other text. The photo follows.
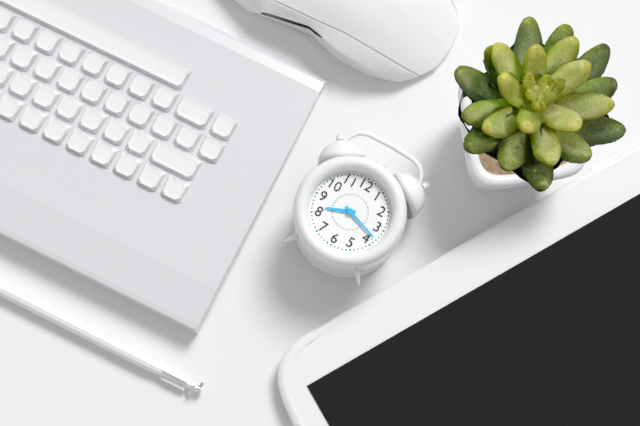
h=8 m=18
